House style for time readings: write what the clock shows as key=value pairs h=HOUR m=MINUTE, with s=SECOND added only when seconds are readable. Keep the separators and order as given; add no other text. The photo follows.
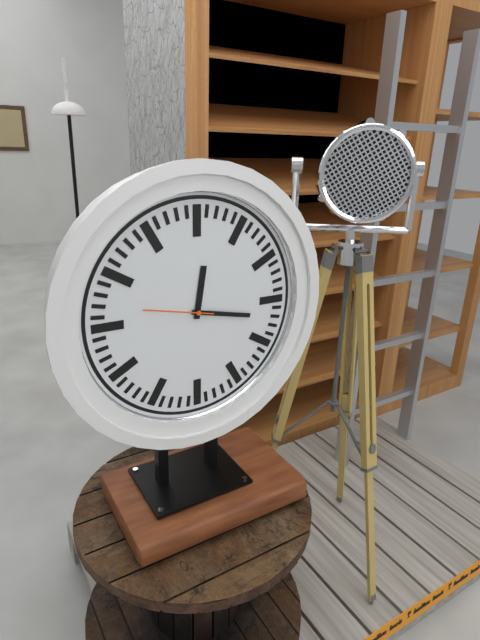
h=12 m=17 s=47
